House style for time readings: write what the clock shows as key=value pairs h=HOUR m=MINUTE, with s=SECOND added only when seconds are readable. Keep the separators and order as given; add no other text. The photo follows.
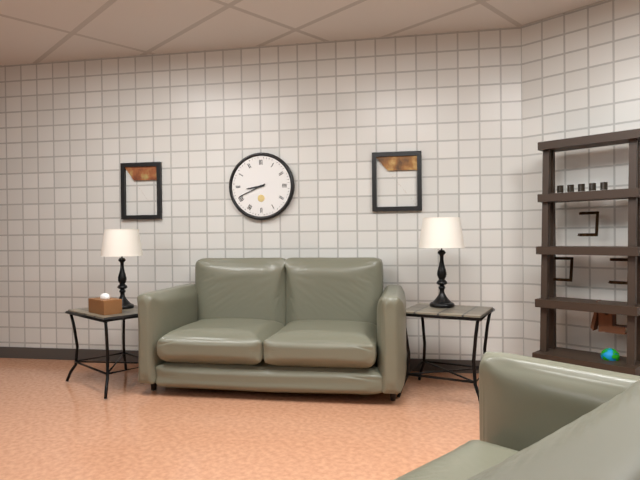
h=8 m=41
